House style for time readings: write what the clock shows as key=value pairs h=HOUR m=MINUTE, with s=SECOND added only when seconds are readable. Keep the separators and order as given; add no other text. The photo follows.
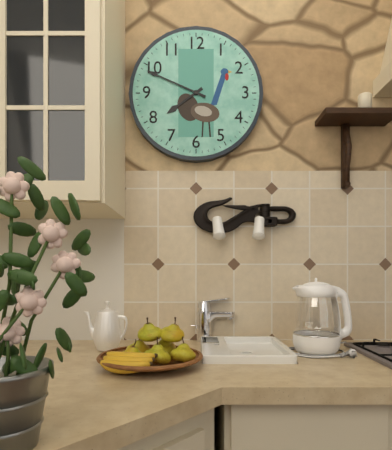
h=7 m=49
